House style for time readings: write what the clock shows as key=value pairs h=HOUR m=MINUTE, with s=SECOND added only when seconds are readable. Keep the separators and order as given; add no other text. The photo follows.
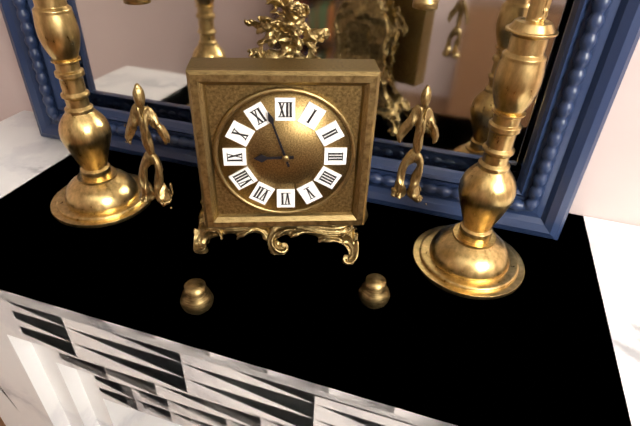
h=8 m=57
